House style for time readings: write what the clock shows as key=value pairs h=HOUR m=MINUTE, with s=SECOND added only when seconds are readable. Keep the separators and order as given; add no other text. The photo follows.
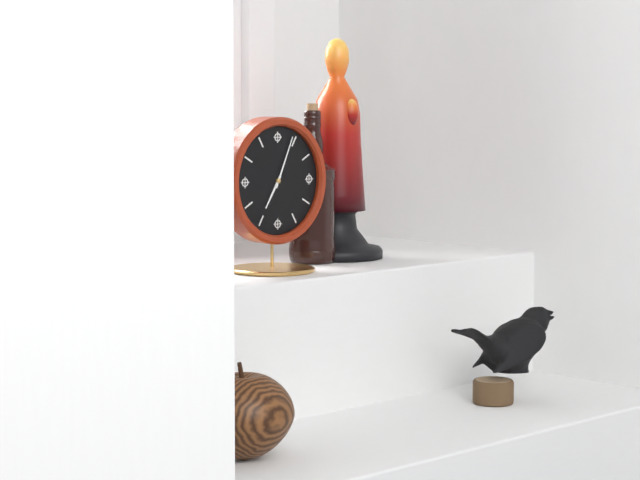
h=7 m=4
